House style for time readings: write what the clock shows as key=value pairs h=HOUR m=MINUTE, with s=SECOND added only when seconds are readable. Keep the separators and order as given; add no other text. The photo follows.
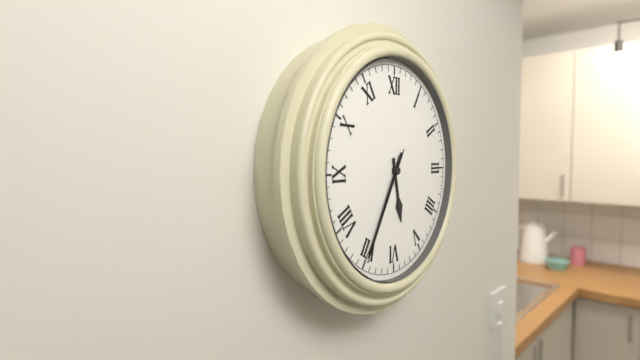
h=5 m=35 s=35
